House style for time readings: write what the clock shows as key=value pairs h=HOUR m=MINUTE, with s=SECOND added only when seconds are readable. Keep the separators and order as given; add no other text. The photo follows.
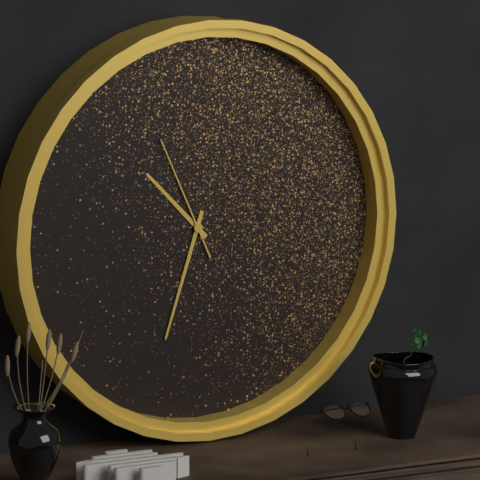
h=10 m=33 s=56
